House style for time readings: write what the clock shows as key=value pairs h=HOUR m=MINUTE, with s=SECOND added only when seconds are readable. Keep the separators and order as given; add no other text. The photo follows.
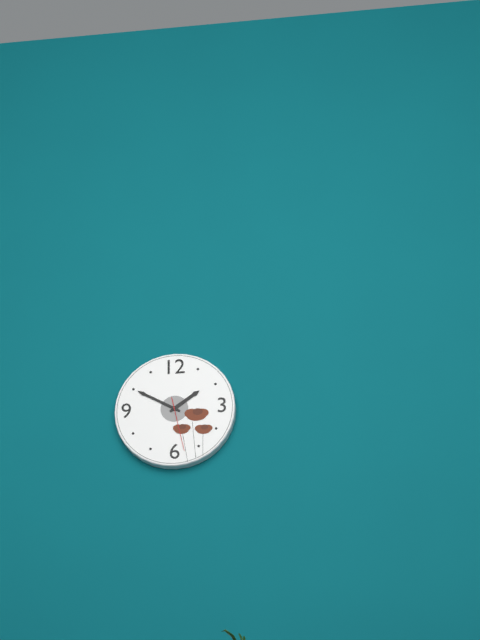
h=1 m=50 s=28
